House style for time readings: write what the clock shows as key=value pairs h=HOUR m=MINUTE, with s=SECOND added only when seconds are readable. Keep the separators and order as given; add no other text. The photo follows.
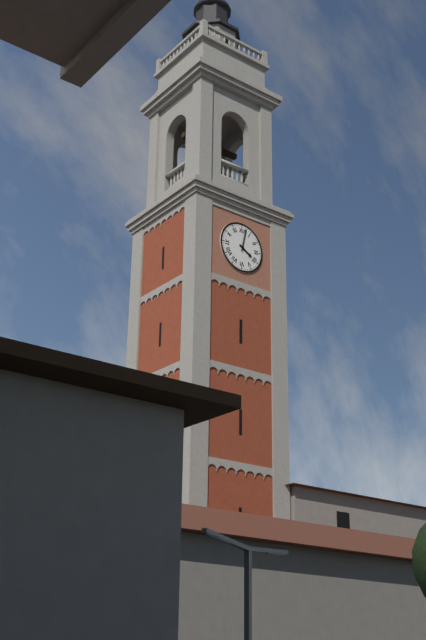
h=4 m=2
